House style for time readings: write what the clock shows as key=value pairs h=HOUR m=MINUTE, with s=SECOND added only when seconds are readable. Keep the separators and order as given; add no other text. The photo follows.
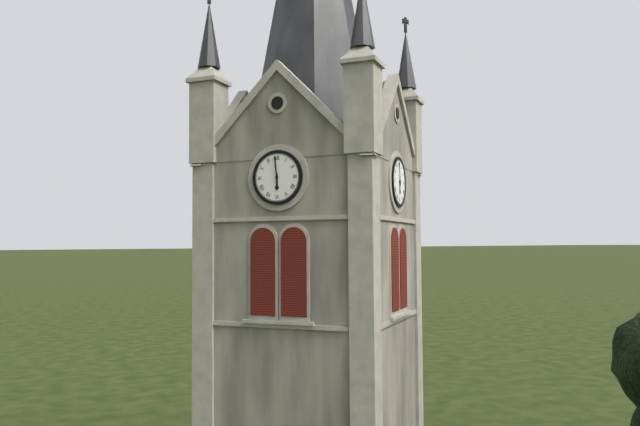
h=5 m=59
